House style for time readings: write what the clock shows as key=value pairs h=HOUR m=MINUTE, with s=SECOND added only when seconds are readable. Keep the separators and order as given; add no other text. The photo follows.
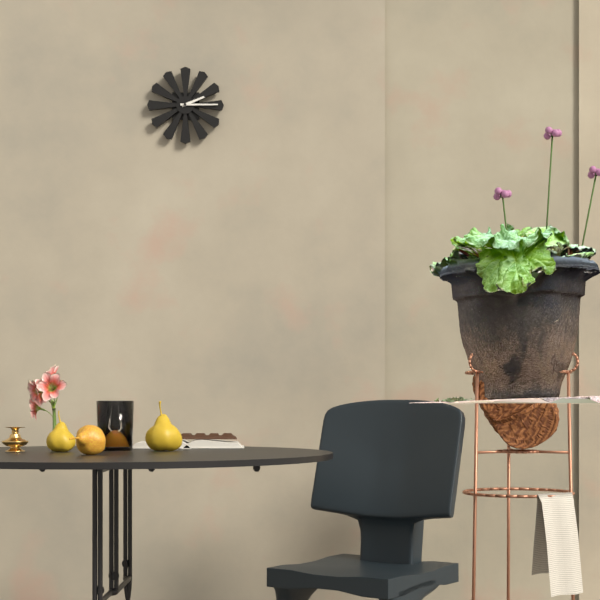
h=2 m=15
